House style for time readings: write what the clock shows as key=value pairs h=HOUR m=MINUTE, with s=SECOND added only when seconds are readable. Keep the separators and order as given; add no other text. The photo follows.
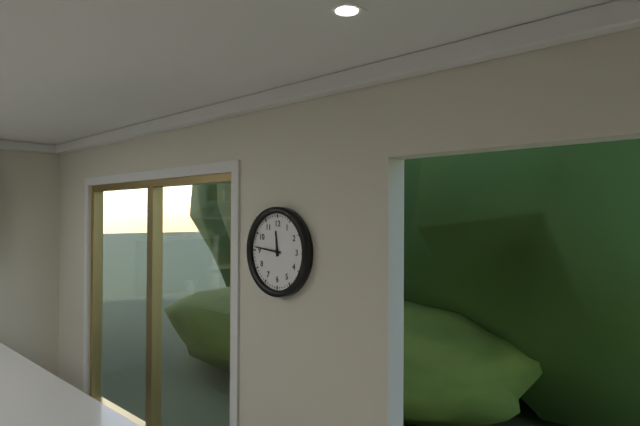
h=11 m=46
